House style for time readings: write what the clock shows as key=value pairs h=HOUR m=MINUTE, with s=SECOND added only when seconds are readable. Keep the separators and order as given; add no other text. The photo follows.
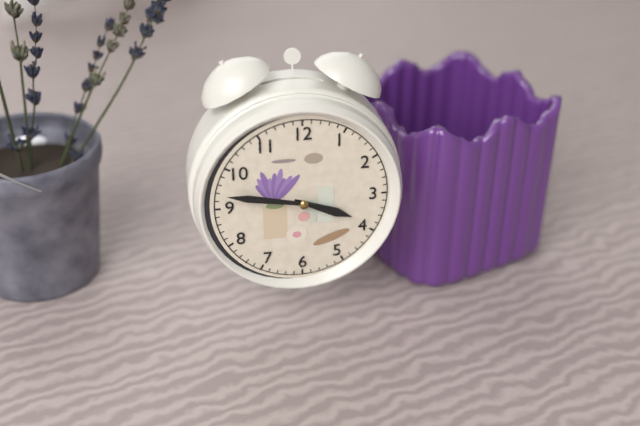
h=3 m=47
